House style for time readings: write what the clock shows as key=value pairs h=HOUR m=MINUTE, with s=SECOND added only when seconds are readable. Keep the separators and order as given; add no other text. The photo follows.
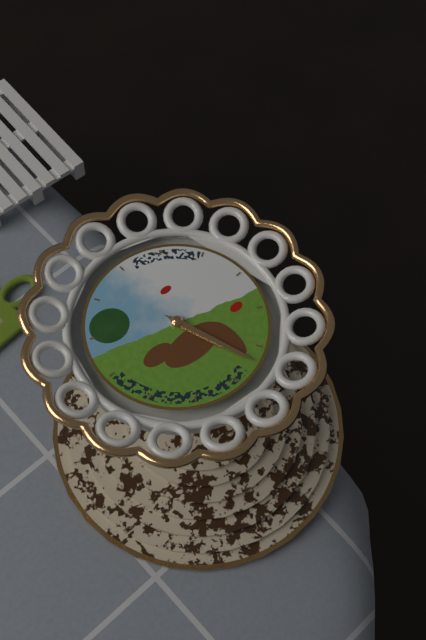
h=5 m=27
